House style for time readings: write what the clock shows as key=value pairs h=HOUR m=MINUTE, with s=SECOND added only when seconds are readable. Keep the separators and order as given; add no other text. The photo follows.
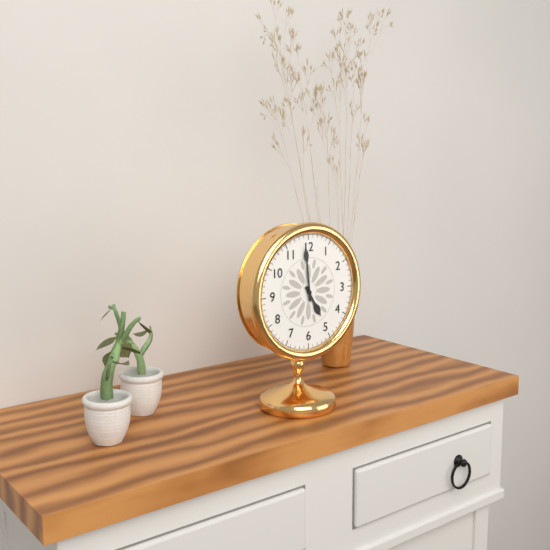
h=4 m=59
